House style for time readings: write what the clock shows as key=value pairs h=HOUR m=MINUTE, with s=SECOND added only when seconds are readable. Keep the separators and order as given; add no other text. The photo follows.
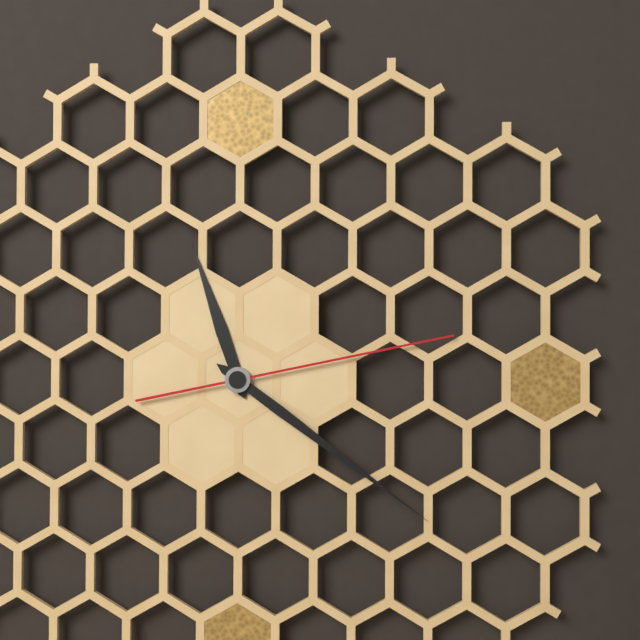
h=11 m=21 s=13
